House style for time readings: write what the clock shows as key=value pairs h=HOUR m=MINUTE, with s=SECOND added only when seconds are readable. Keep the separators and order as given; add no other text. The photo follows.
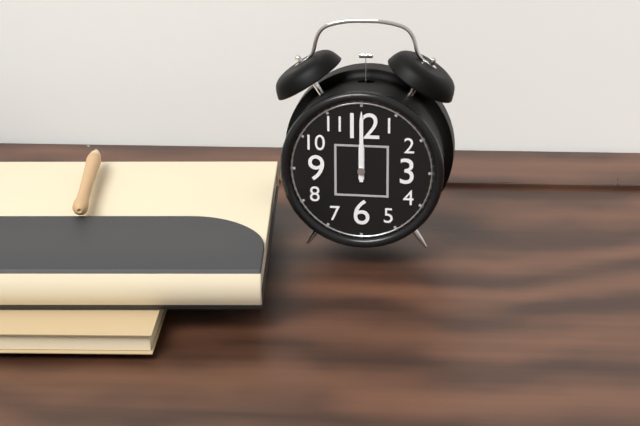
h=12 m=0
